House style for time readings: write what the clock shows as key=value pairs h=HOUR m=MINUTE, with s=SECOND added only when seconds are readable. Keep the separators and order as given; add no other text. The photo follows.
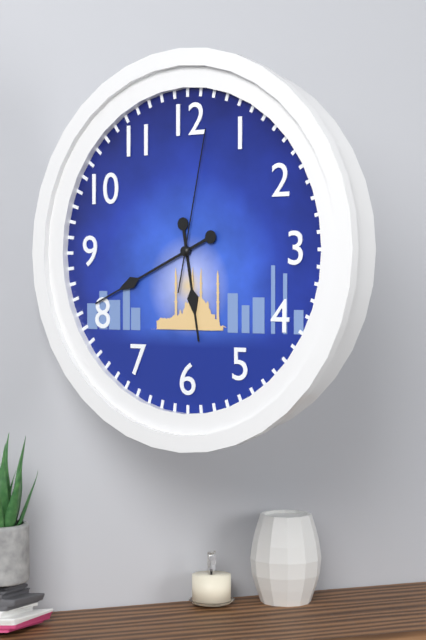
h=5 m=41 s=2
